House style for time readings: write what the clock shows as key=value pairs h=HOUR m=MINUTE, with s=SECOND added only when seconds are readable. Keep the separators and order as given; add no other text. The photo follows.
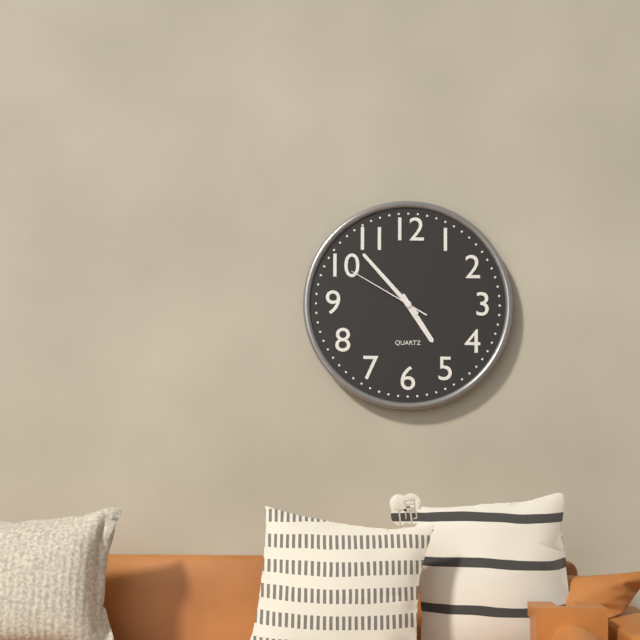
h=4 m=53 s=50
